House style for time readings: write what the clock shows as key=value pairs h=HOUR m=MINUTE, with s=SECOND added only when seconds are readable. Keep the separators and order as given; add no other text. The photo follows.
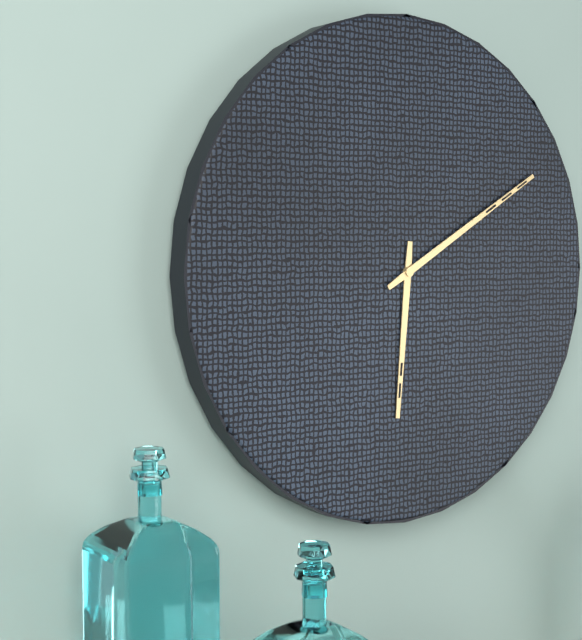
h=6 m=10
